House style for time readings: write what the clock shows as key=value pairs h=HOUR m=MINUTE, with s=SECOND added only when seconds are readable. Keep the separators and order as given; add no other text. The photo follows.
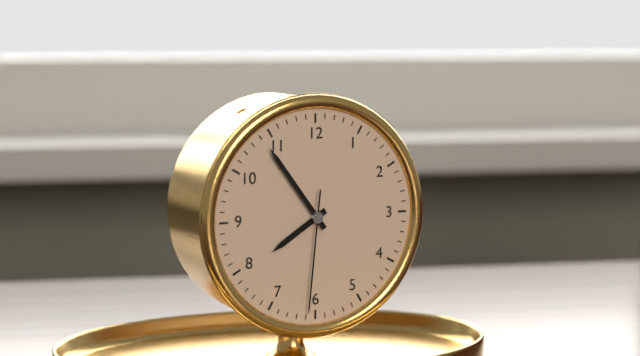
h=7 m=54 s=31
